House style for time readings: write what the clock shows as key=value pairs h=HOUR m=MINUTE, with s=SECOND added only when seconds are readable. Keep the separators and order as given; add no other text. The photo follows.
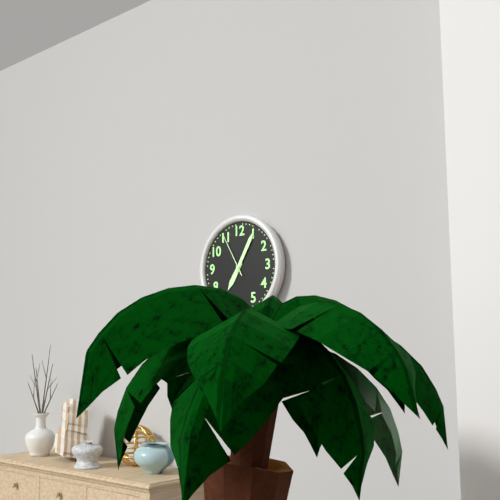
h=7 m=5
